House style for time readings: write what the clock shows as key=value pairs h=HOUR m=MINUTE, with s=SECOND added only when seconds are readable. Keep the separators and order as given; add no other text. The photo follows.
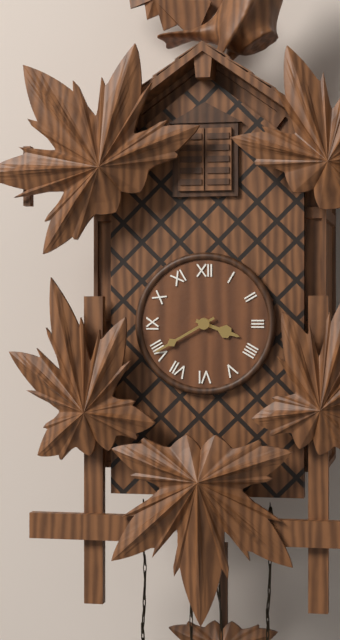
h=3 m=40
